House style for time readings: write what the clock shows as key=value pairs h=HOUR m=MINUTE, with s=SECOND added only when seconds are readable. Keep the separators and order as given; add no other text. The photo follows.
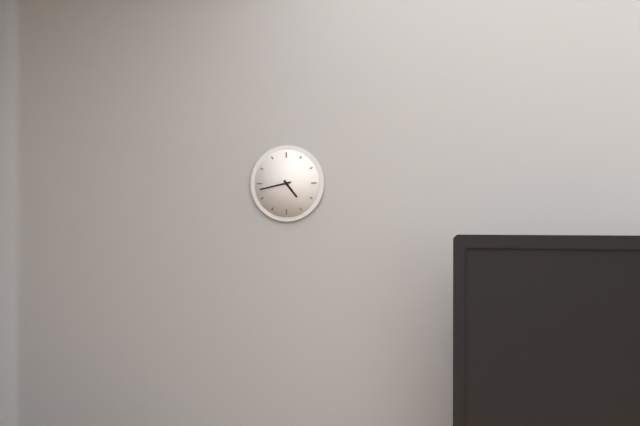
h=4 m=43
